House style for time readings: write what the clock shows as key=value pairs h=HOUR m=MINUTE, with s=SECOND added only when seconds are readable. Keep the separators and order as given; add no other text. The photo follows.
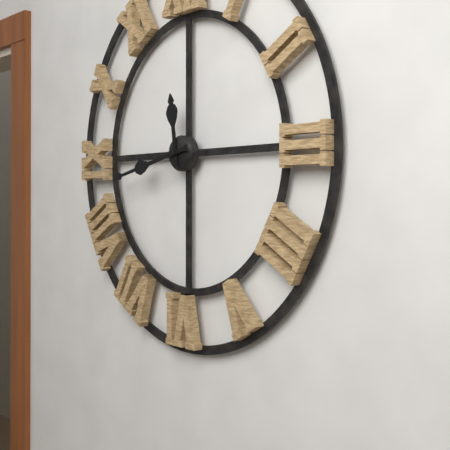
h=11 m=43
